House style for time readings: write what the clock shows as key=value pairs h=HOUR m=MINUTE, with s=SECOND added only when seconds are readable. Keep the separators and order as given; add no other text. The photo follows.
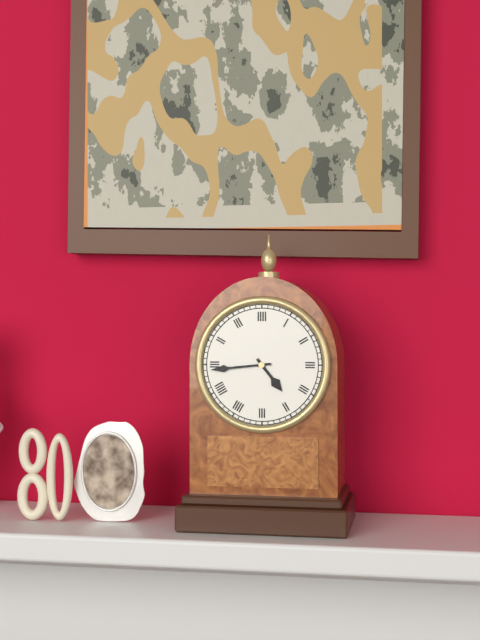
h=4 m=44
